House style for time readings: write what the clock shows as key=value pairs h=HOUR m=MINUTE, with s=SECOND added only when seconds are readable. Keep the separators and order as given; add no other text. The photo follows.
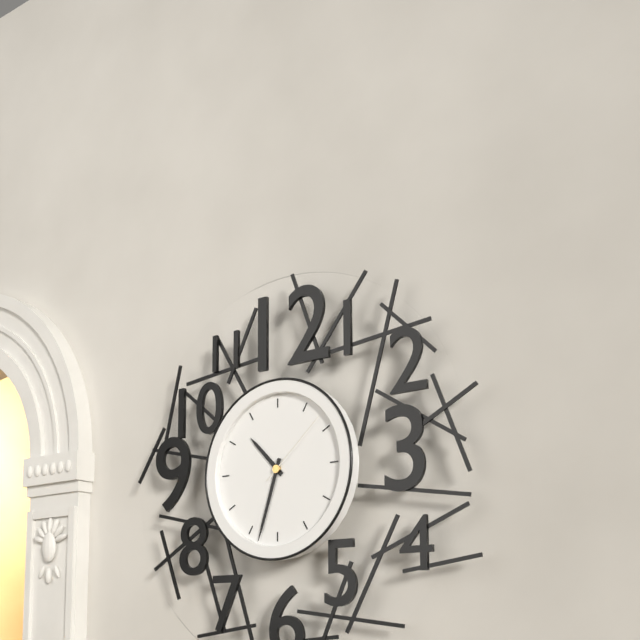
h=10 m=33 s=8
